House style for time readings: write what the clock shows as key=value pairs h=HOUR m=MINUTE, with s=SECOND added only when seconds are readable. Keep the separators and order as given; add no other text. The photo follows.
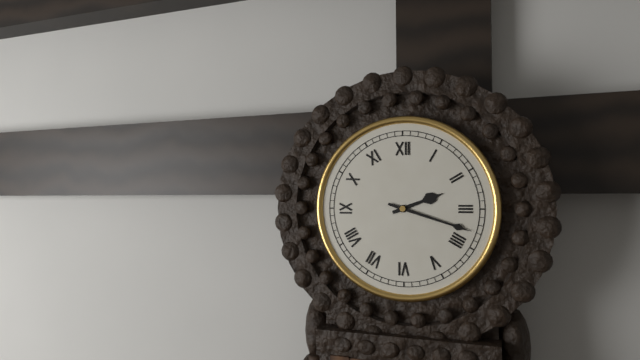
h=2 m=18
